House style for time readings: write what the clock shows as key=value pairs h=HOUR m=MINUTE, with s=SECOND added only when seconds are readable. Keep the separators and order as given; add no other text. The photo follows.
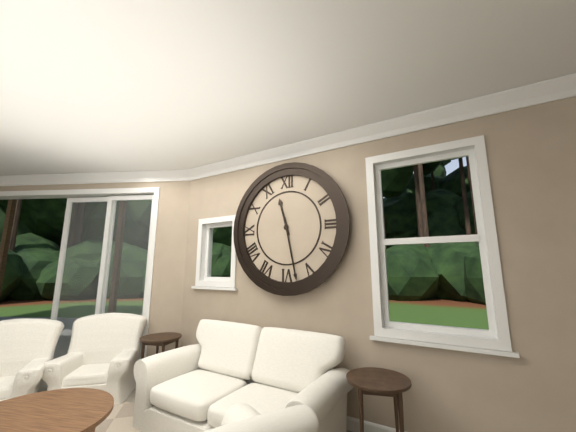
h=11 m=28
